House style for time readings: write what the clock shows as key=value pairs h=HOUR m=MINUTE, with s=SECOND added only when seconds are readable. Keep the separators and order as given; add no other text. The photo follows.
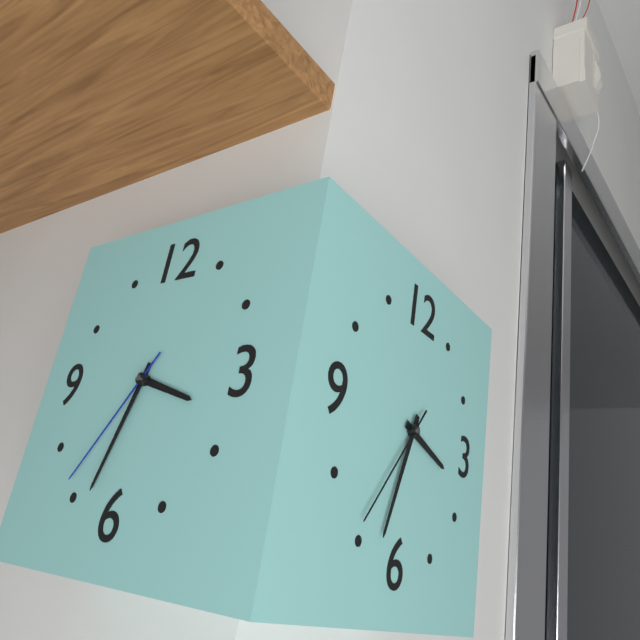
h=3 m=33 s=36
